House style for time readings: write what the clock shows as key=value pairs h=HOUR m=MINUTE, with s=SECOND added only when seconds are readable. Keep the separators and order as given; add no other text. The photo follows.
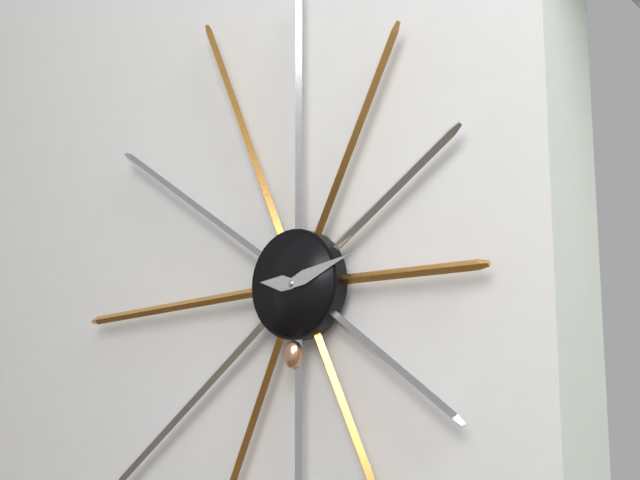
h=9 m=12
